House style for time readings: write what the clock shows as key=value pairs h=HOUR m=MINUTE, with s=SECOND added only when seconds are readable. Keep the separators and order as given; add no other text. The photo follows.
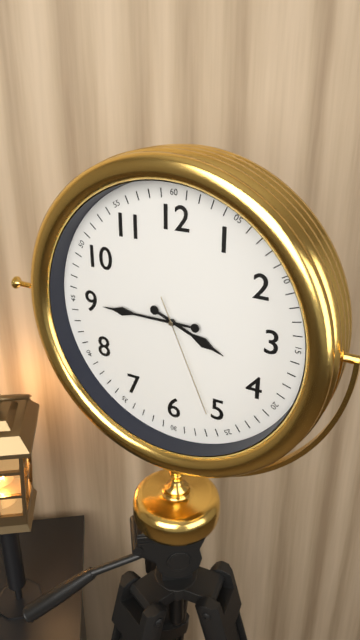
h=3 m=45 s=26
